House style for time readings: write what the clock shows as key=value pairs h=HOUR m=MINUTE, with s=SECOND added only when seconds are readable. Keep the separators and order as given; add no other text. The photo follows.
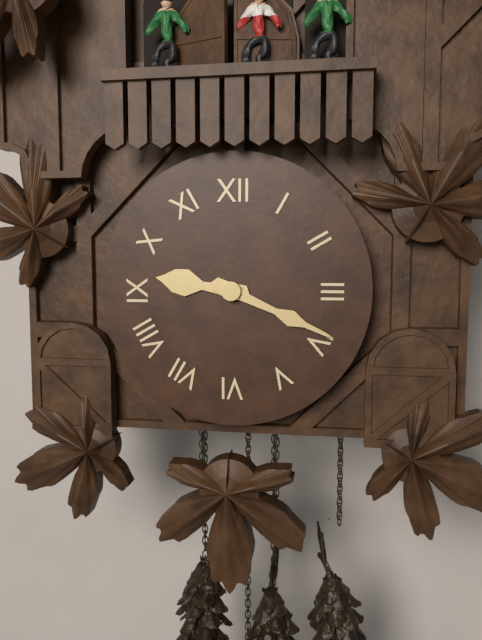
h=9 m=19
